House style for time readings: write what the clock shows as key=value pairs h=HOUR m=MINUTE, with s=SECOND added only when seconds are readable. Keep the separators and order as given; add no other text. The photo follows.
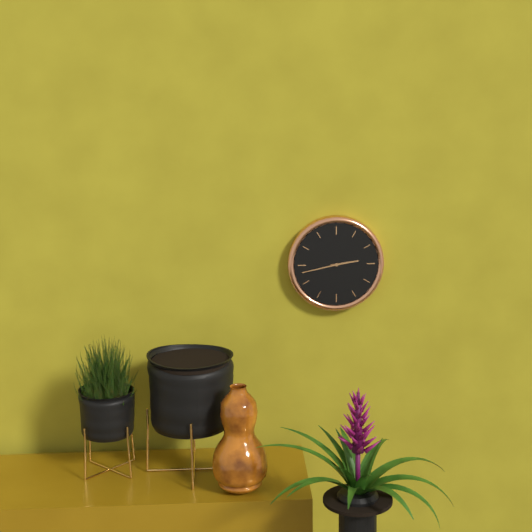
h=2 m=43
